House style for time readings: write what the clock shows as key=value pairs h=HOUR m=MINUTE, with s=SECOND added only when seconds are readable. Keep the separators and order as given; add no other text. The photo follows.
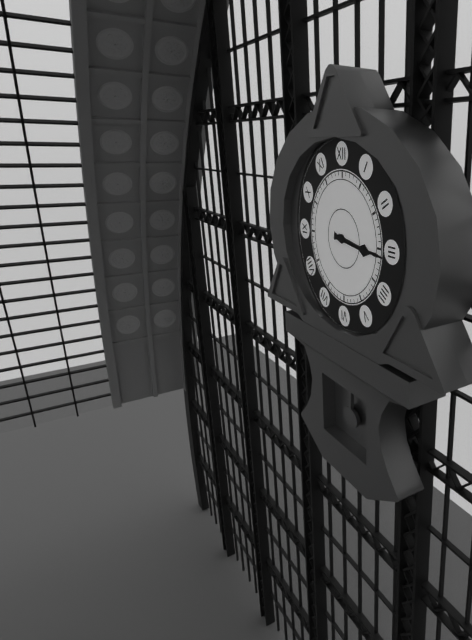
h=3 m=16
